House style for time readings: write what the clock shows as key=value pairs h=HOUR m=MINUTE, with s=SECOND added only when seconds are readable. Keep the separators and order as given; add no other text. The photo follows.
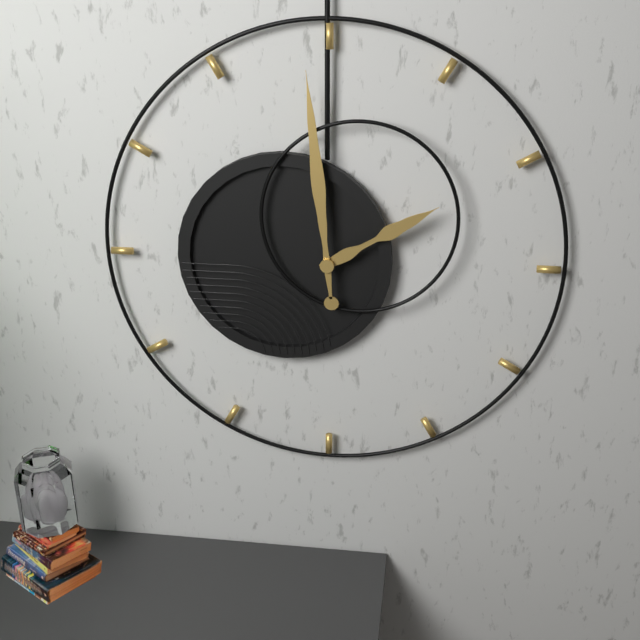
h=1 m=59
